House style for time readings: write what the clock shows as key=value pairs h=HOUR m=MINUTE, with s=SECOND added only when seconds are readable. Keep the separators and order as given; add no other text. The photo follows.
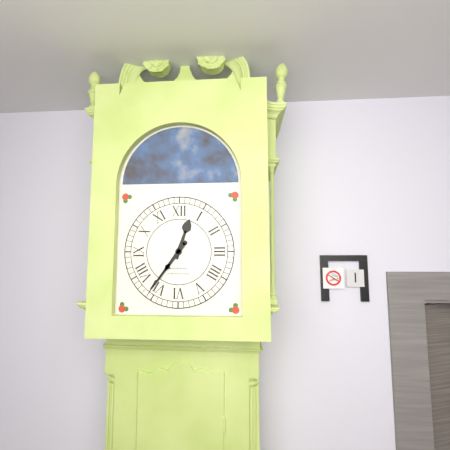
h=12 m=36
